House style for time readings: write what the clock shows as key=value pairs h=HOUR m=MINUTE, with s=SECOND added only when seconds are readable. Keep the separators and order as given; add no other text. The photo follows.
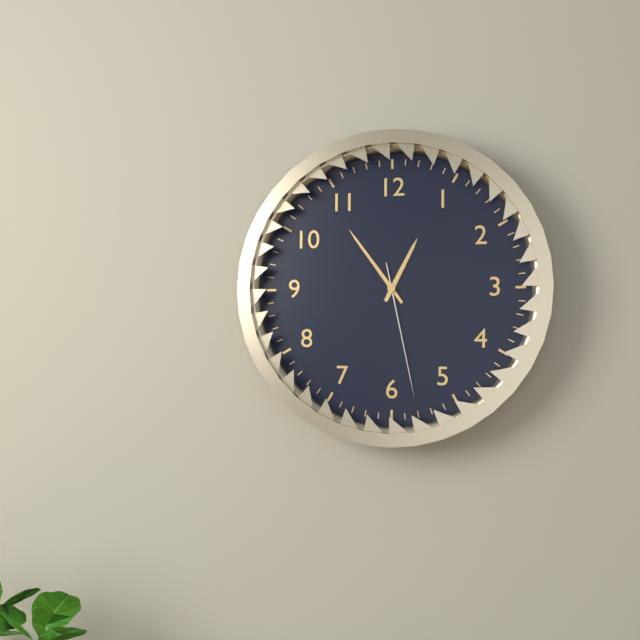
h=12 m=54 s=28
